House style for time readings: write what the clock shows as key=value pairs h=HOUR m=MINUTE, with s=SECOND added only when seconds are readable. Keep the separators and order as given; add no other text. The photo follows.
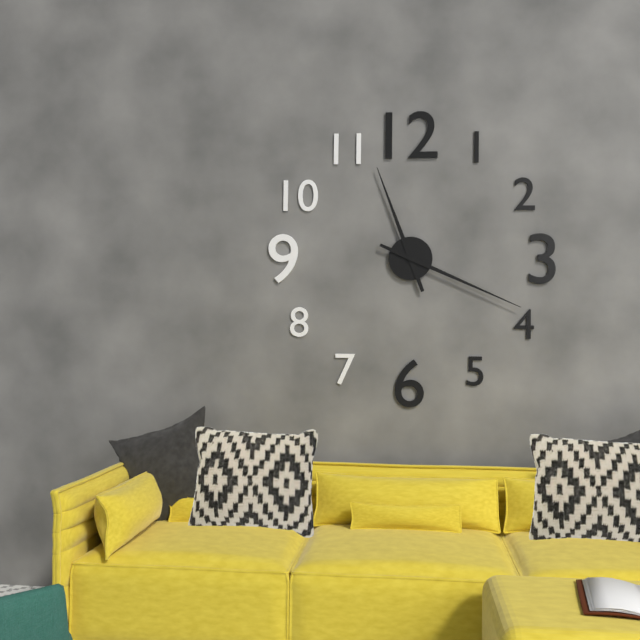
h=11 m=19
